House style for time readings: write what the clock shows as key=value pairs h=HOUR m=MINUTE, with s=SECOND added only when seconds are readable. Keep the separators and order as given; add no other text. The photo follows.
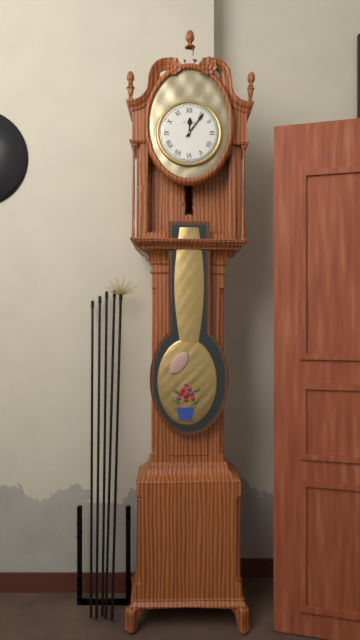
h=12 m=6
